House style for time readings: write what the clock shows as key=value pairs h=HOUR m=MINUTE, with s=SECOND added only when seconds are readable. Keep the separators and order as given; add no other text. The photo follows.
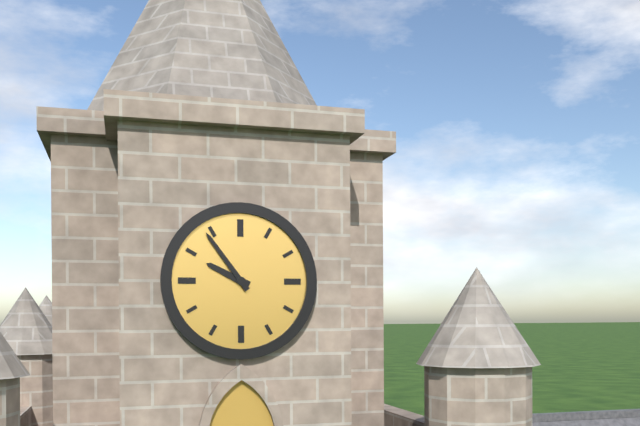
h=9 m=54
